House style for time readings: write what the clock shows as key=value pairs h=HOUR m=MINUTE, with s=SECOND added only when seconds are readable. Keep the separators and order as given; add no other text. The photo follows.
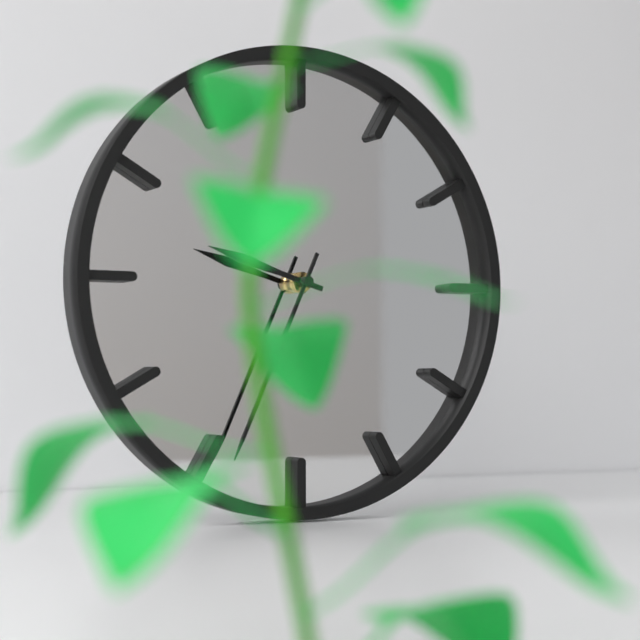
h=9 m=34
